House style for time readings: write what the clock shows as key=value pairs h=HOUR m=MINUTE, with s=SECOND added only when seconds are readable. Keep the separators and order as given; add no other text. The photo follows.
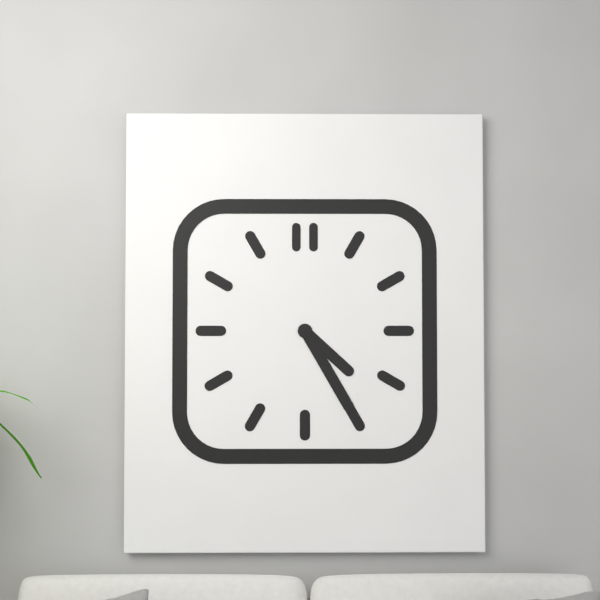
h=4 m=25
